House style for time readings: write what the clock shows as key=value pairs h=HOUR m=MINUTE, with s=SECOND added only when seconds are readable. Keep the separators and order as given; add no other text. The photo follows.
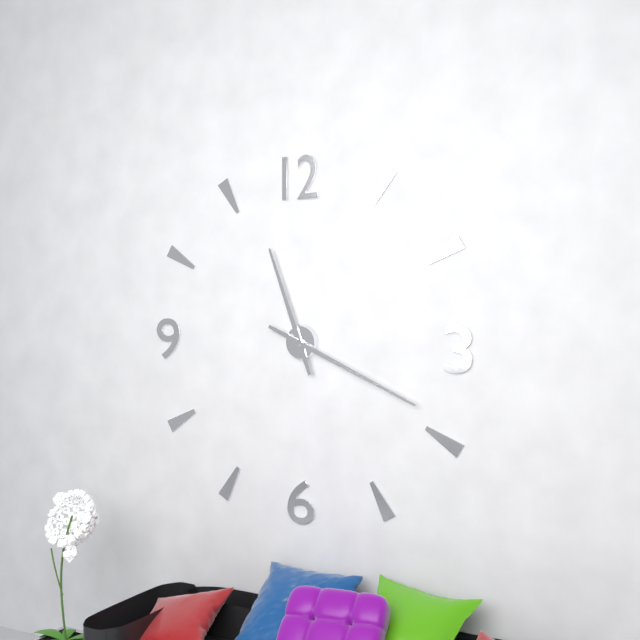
h=11 m=19
